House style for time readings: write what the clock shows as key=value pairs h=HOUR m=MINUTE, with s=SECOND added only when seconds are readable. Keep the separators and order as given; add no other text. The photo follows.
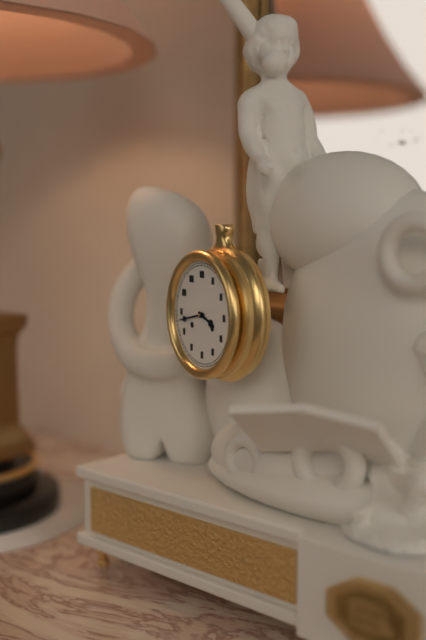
h=3 m=43
